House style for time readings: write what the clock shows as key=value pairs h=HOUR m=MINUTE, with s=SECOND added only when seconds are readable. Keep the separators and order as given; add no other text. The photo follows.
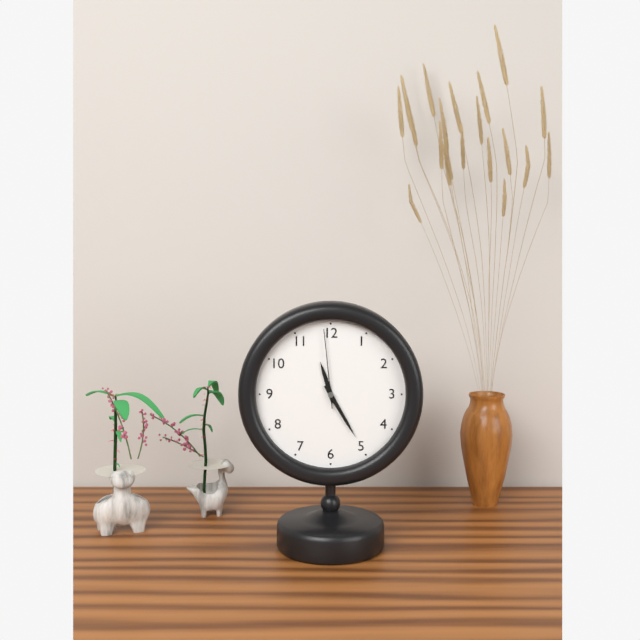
h=11 m=25 s=59
